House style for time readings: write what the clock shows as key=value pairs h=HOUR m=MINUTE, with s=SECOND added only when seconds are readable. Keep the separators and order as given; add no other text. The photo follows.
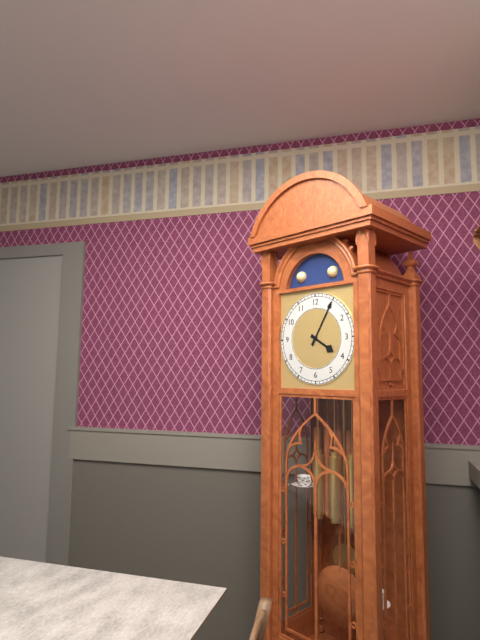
h=4 m=5
